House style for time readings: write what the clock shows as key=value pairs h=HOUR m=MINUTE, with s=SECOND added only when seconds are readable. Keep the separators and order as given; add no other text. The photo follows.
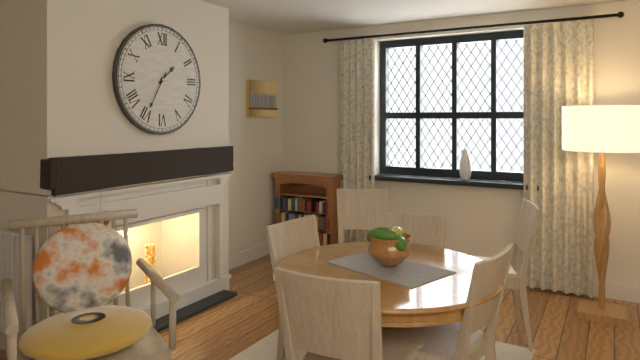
h=1 m=35
